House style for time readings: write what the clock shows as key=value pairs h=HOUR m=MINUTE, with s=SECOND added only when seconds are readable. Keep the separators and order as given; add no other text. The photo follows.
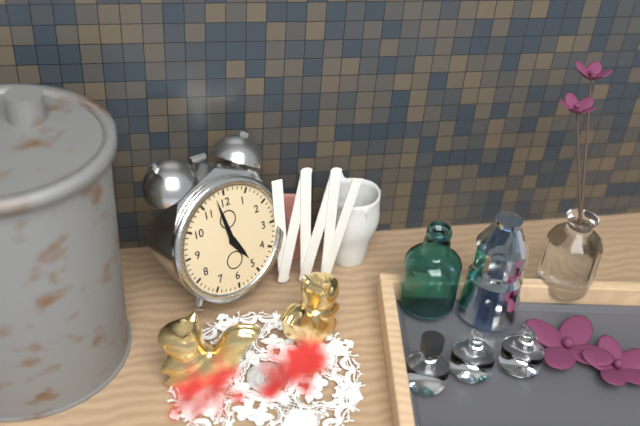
h=4 m=58
